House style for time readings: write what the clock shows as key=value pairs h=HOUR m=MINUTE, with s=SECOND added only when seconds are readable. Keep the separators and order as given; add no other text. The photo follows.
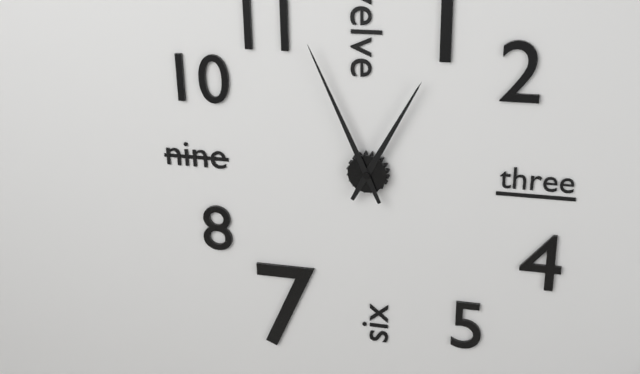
h=12 m=56
